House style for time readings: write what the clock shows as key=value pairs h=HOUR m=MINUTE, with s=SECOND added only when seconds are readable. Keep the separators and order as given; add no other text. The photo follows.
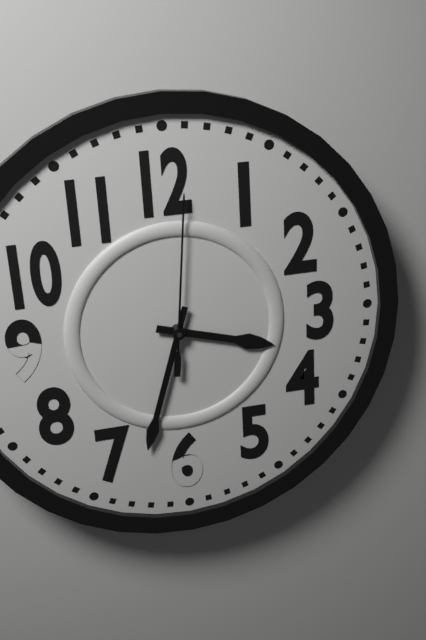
h=3 m=33 s=1
